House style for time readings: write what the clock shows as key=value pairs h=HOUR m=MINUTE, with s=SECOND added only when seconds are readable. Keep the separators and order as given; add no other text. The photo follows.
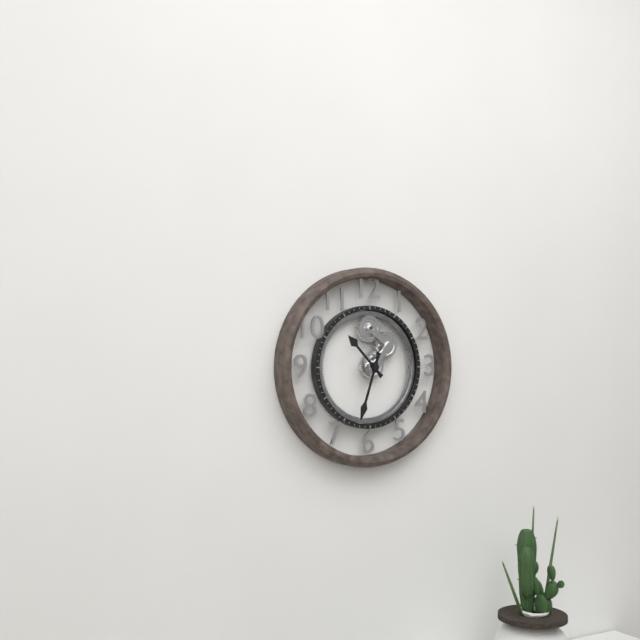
h=10 m=33
